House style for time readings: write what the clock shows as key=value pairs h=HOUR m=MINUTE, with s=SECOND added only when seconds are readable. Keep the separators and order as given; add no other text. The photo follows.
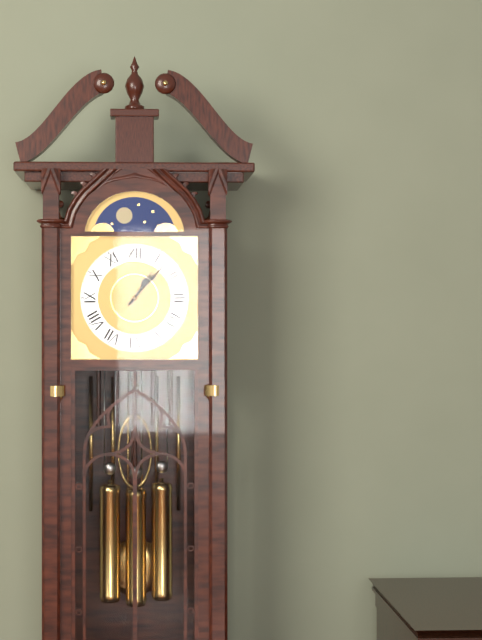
h=1 m=7
